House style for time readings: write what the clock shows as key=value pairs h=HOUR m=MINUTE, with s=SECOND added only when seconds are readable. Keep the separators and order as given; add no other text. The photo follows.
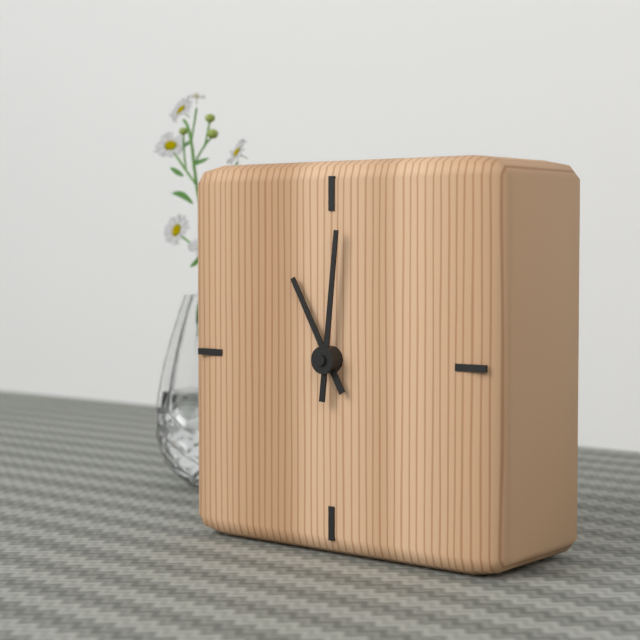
h=11 m=1
